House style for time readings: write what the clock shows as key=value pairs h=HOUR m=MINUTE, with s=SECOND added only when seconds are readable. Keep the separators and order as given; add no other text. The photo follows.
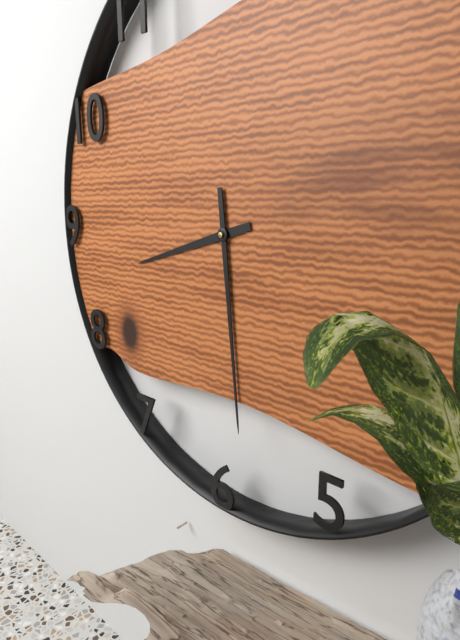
h=8 m=29
